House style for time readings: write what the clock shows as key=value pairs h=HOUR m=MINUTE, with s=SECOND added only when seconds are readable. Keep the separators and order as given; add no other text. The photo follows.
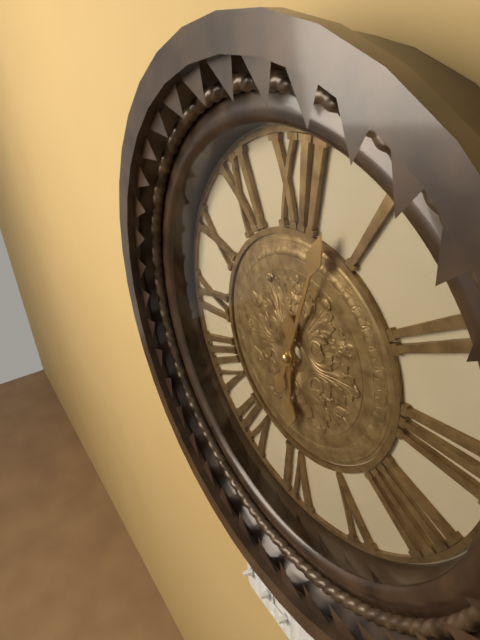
h=6 m=3
